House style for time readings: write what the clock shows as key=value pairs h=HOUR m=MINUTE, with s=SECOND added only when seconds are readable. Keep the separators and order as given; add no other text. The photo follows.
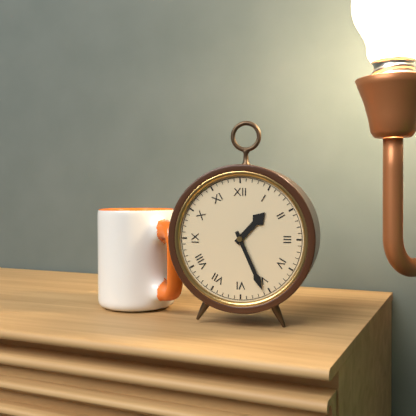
h=1 m=26
